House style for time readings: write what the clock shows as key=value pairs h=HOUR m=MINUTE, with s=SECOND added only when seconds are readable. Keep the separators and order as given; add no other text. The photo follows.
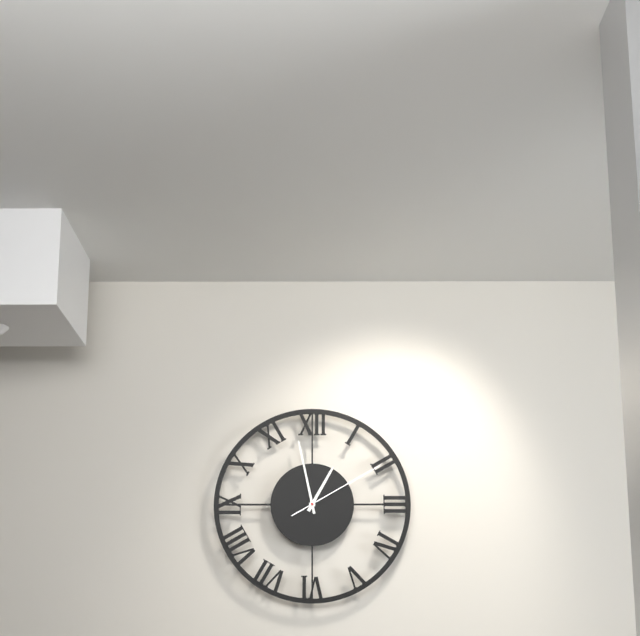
h=12 m=58 s=10
